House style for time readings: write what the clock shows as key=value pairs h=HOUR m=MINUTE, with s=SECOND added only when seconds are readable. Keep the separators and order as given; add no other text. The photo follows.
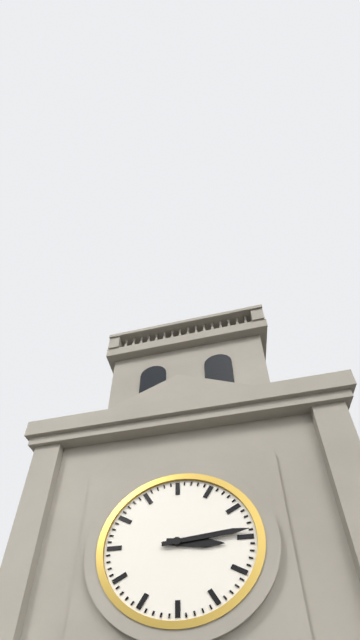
h=3 m=14
